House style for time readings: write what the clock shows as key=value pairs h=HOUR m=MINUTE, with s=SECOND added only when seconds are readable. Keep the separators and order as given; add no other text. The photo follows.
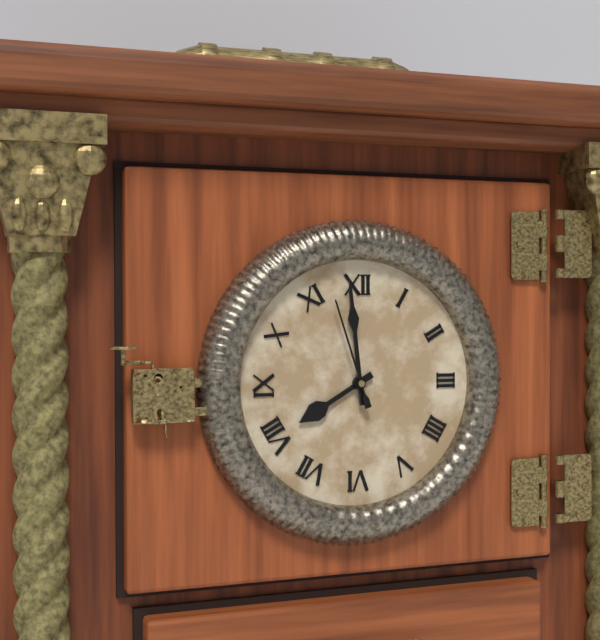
h=7 m=59 s=57
